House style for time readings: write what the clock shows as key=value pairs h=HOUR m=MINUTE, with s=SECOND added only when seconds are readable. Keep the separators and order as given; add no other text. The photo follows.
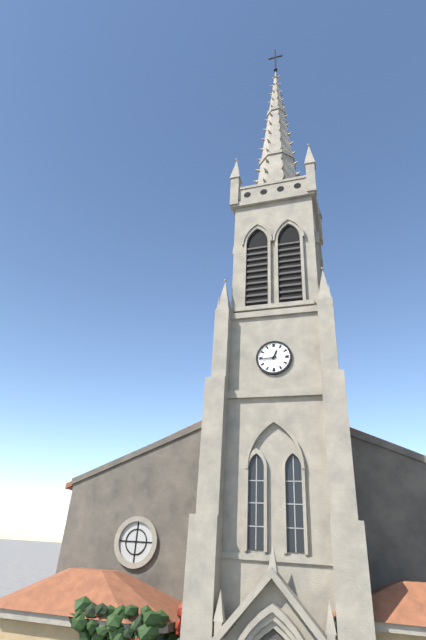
h=12 m=44
